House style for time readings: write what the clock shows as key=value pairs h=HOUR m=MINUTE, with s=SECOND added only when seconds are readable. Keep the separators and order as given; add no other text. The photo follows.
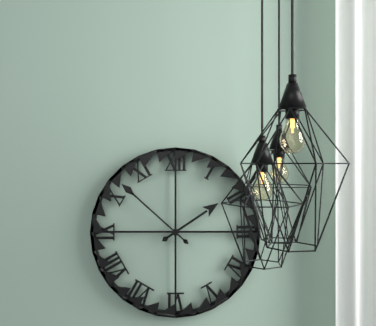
h=1 m=52
